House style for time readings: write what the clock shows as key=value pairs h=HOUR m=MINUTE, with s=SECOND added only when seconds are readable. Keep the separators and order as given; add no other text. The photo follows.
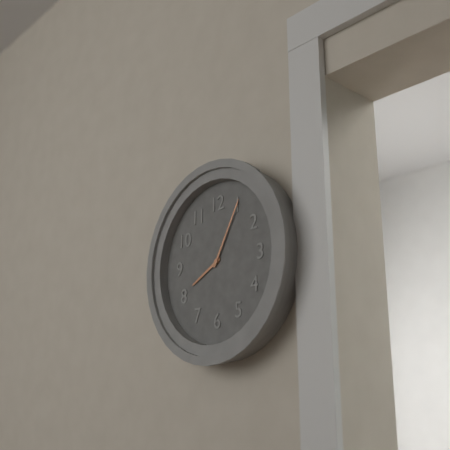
h=8 m=5
